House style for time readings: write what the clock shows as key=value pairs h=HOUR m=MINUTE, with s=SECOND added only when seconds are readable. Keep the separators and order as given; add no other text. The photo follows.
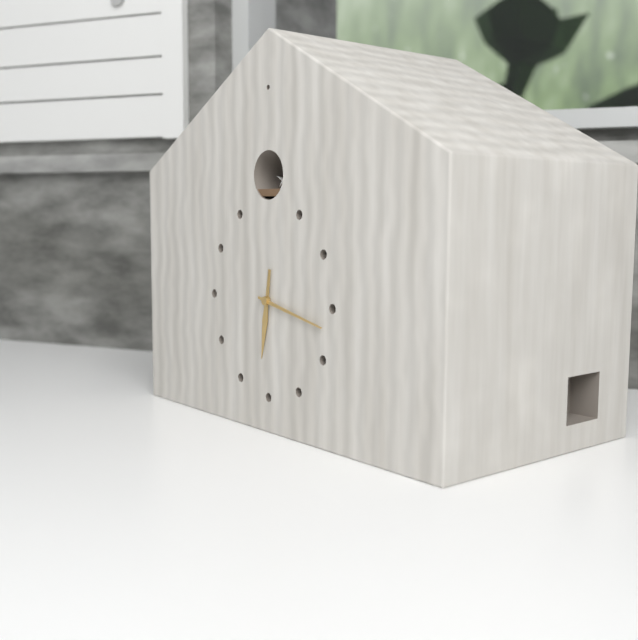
h=6 m=17
